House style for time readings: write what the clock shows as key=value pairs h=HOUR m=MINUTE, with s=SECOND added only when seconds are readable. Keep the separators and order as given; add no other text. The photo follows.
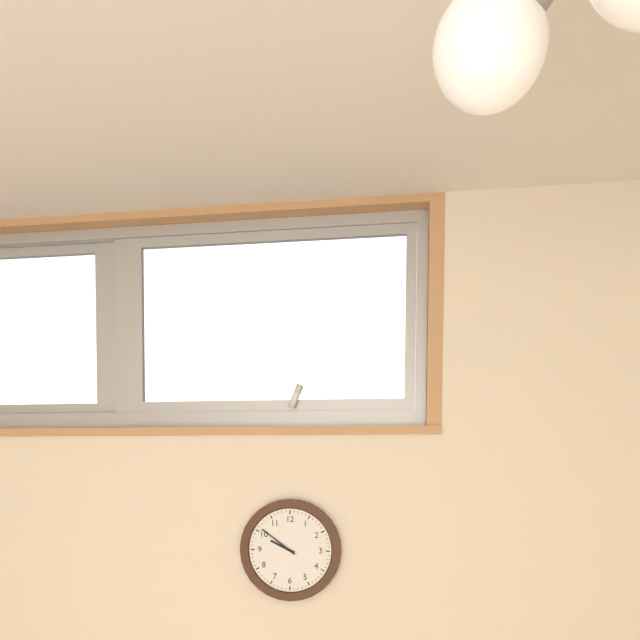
h=9 m=51
